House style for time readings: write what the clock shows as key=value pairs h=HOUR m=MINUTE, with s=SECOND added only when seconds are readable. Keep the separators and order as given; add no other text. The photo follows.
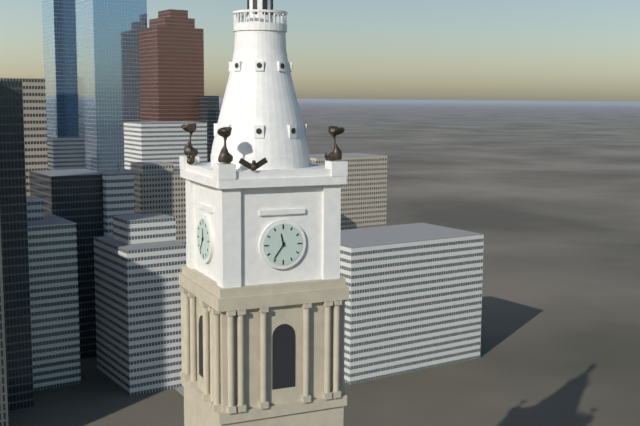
h=11 m=36
